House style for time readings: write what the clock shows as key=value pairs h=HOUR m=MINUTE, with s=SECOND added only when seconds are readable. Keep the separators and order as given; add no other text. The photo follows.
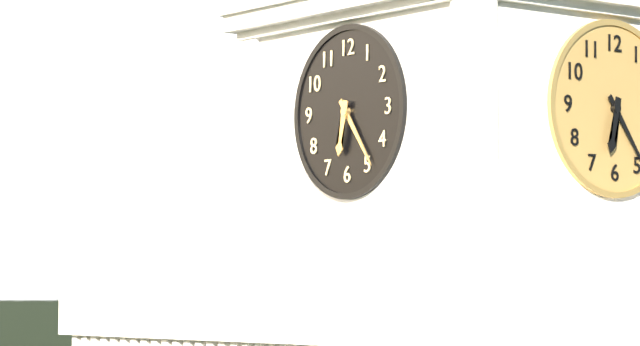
h=6 m=24
